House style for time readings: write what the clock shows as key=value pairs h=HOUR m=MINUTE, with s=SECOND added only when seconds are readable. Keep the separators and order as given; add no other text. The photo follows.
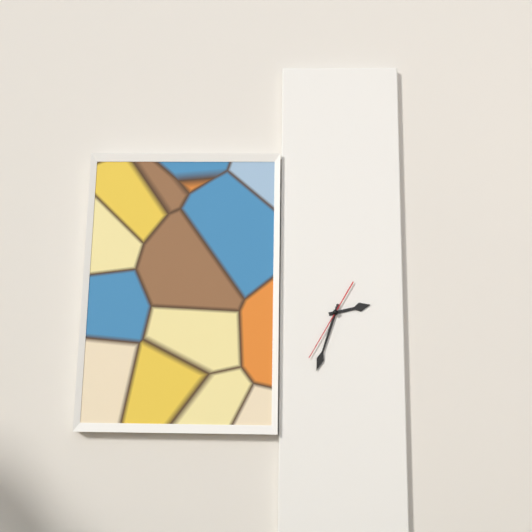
h=2 m=33 s=35
